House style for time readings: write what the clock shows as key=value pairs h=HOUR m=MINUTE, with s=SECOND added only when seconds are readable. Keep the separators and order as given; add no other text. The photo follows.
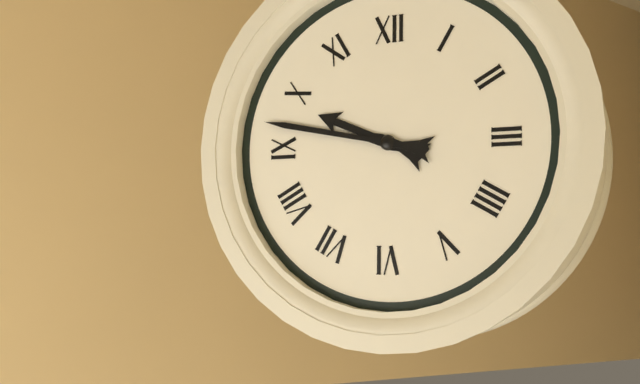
h=9 m=47
